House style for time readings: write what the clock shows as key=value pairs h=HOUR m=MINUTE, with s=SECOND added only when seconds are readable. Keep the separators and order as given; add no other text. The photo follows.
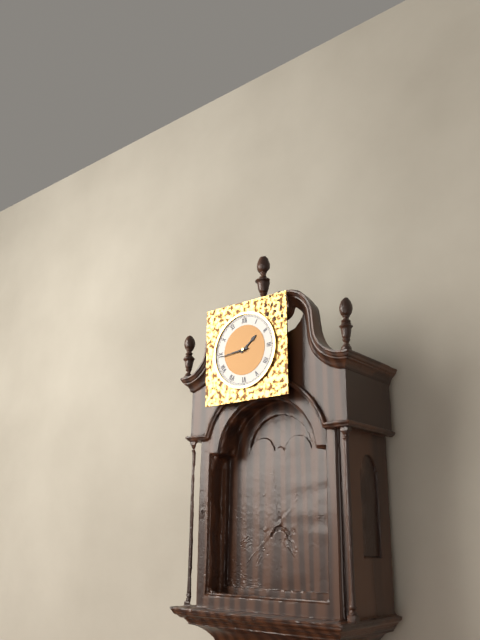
h=1 m=44
